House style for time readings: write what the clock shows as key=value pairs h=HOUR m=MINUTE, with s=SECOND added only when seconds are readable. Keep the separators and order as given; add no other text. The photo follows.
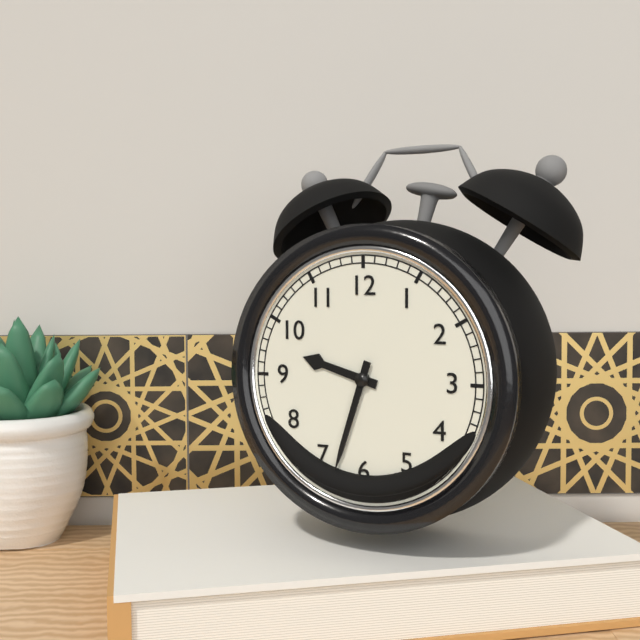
h=9 m=33
